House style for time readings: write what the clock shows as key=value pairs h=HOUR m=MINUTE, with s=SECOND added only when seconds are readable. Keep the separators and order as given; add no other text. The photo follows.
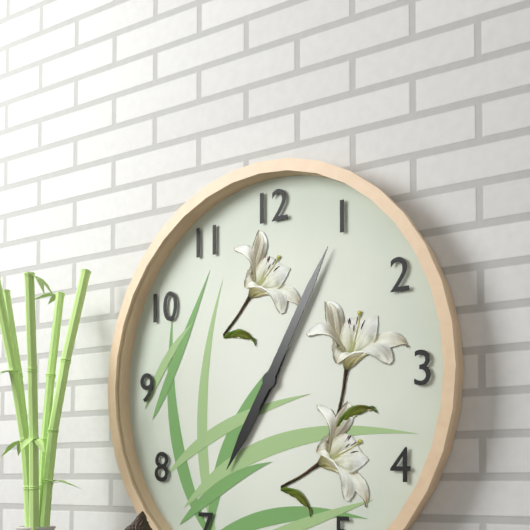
h=7 m=5
